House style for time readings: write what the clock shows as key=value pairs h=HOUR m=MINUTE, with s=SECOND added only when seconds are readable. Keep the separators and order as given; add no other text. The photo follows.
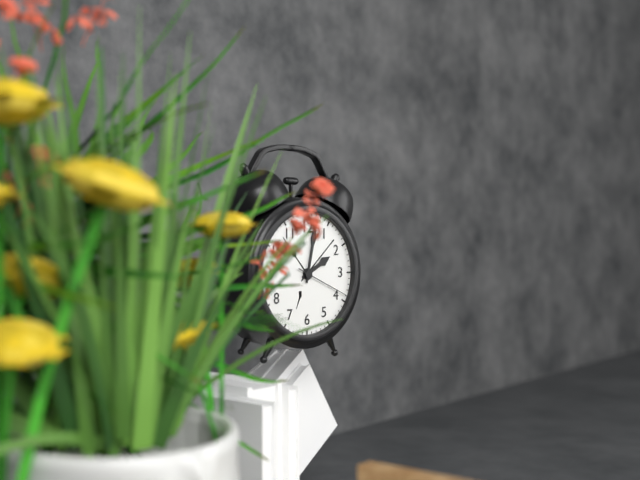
h=2 m=2 s=19
